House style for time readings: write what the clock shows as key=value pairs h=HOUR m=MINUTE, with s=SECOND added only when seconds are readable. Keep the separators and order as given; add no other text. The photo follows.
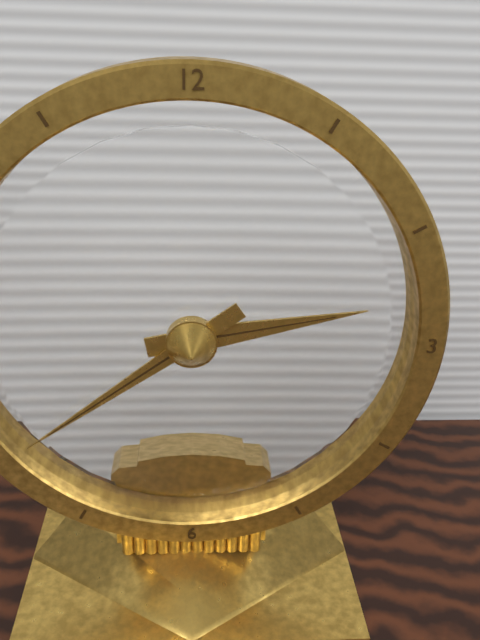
h=2 m=39
